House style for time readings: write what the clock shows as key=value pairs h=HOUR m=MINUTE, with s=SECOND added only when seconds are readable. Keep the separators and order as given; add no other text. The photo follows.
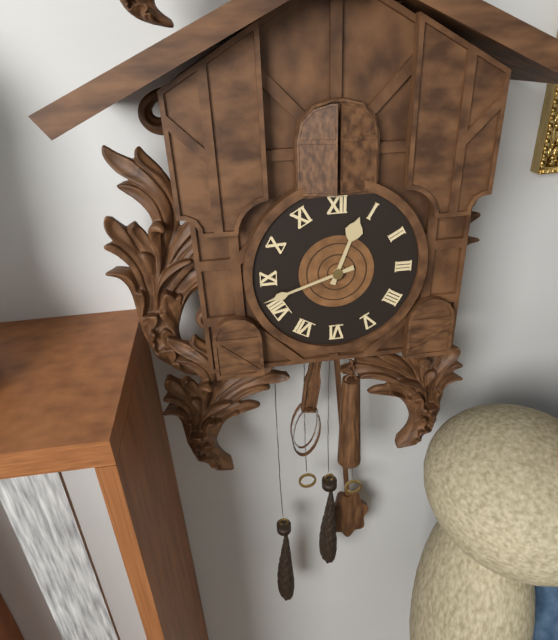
h=12 m=42
